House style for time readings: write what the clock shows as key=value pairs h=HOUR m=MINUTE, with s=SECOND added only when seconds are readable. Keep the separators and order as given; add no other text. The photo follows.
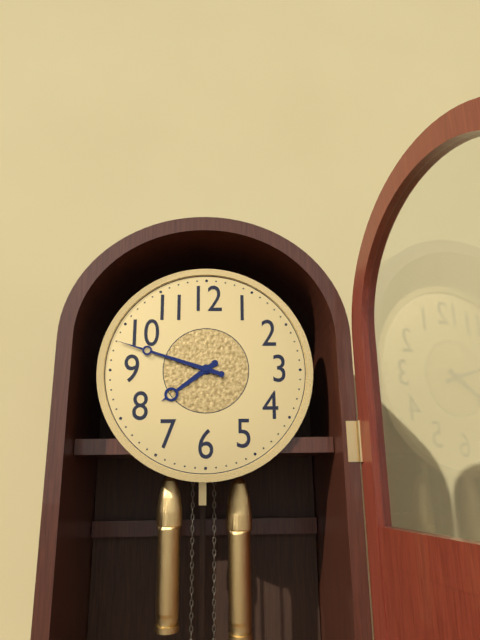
h=7 m=48
